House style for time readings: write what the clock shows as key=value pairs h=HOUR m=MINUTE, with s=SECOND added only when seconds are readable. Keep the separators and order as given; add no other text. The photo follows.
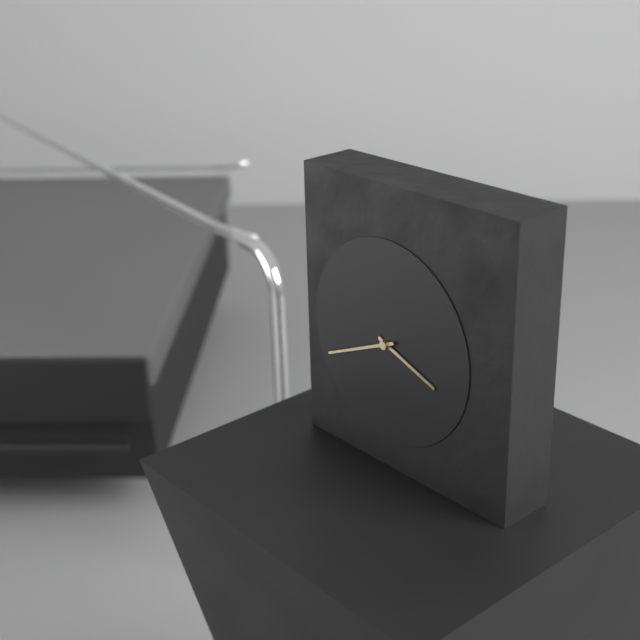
h=3 m=41
